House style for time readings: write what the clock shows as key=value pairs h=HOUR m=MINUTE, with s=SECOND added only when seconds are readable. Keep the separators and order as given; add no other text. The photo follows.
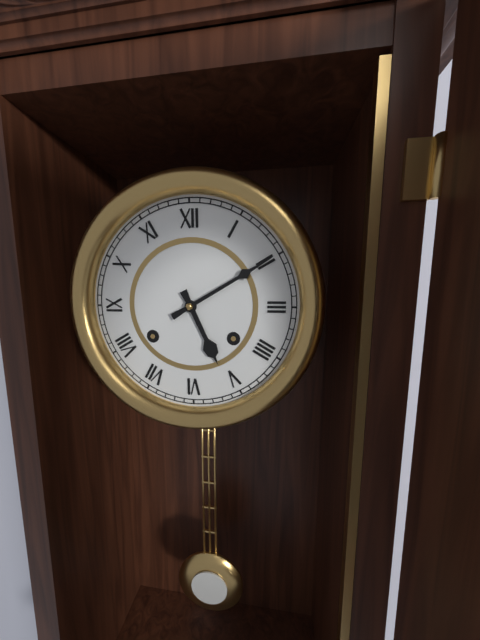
h=5 m=10
